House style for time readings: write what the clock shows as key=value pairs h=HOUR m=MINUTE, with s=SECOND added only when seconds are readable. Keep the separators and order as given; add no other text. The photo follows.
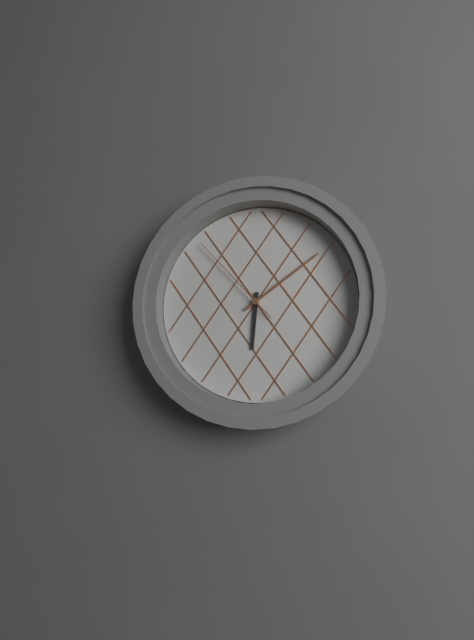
h=6 m=9 s=53
